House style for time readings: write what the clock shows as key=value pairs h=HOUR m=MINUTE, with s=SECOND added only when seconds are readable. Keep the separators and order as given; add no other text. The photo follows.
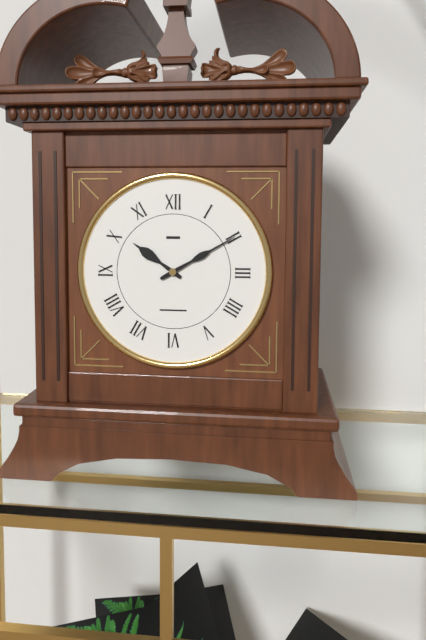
h=10 m=10
